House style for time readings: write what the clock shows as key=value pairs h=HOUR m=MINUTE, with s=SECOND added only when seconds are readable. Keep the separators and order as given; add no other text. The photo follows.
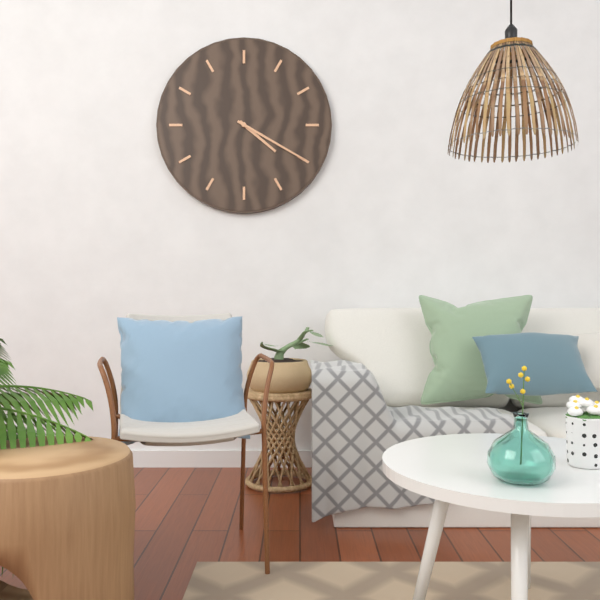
h=4 m=20
